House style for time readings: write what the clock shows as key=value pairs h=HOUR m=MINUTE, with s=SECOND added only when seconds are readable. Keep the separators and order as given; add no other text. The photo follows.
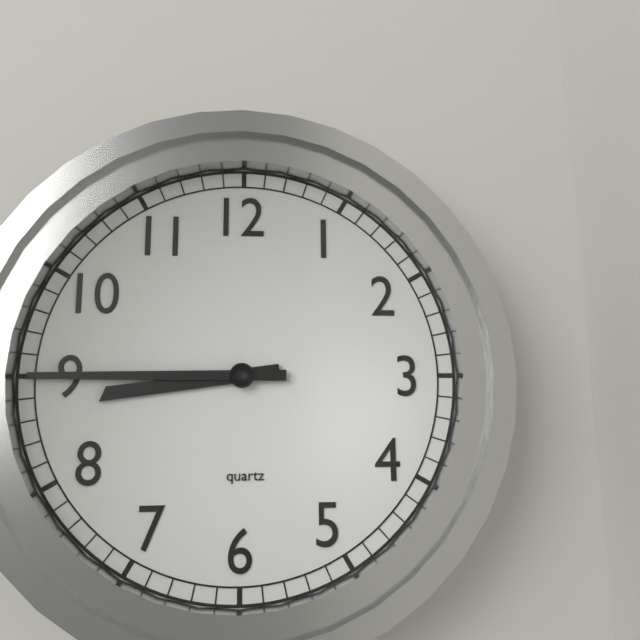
h=8 m=45
